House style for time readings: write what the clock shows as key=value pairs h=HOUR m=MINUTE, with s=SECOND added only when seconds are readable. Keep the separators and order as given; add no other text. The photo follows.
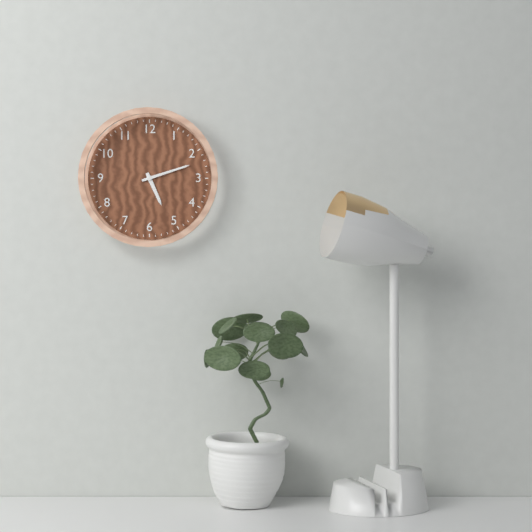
h=5 m=12
